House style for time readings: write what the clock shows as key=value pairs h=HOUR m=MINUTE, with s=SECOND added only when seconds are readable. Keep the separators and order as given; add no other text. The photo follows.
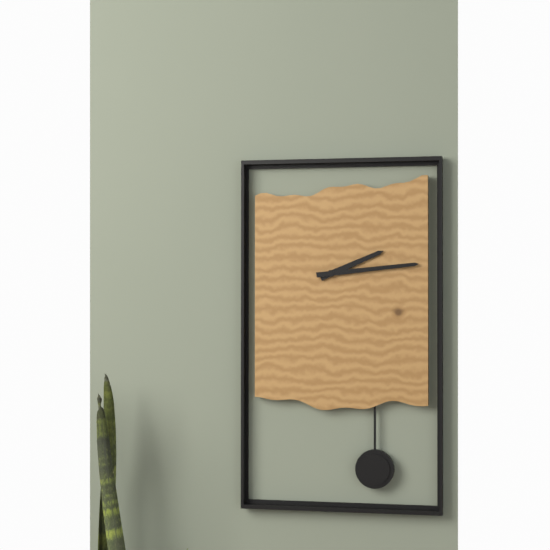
h=2 m=14
